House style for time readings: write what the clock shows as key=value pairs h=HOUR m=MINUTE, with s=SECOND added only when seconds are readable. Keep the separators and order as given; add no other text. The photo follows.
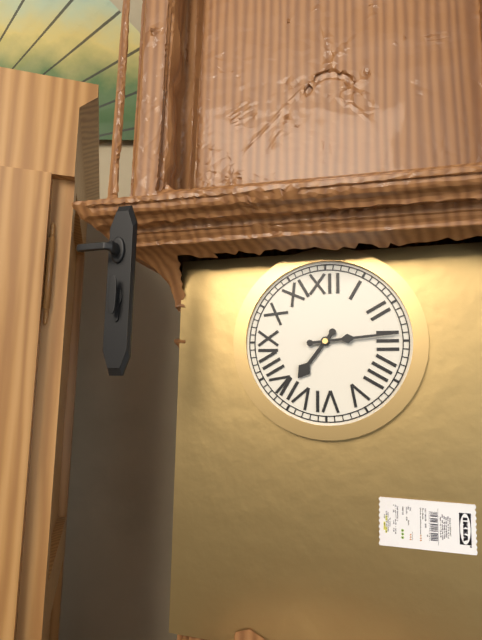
h=7 m=14
